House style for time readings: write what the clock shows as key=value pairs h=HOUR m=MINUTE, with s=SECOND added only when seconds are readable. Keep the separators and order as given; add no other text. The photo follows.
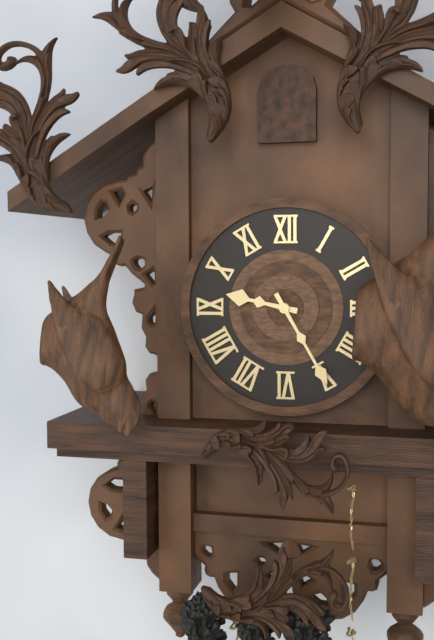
h=9 m=25
